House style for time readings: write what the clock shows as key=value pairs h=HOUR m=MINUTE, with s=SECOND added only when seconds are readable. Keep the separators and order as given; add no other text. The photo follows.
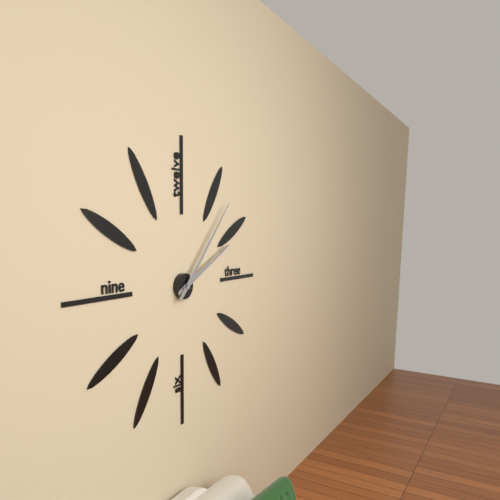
h=2 m=7
